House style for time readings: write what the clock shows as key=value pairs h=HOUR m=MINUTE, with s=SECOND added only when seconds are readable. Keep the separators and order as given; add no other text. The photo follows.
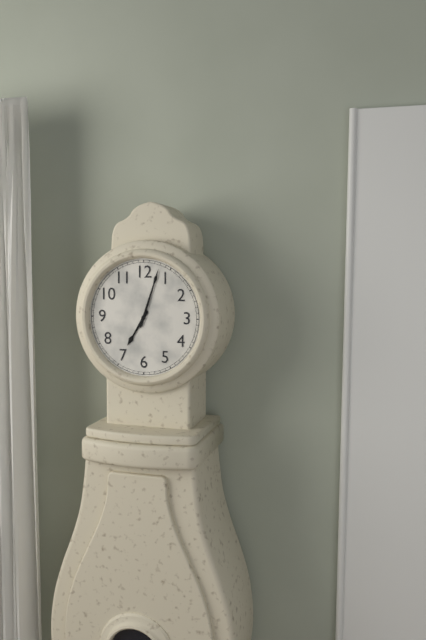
h=7 m=3
